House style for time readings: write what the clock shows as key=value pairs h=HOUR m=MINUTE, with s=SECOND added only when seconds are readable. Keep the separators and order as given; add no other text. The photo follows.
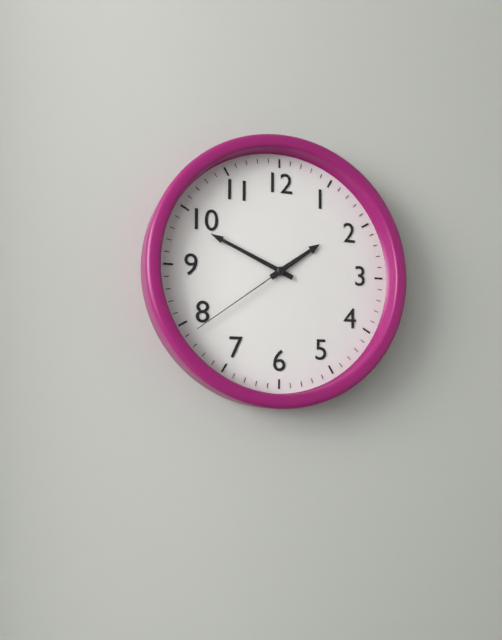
h=1 m=49 s=39
